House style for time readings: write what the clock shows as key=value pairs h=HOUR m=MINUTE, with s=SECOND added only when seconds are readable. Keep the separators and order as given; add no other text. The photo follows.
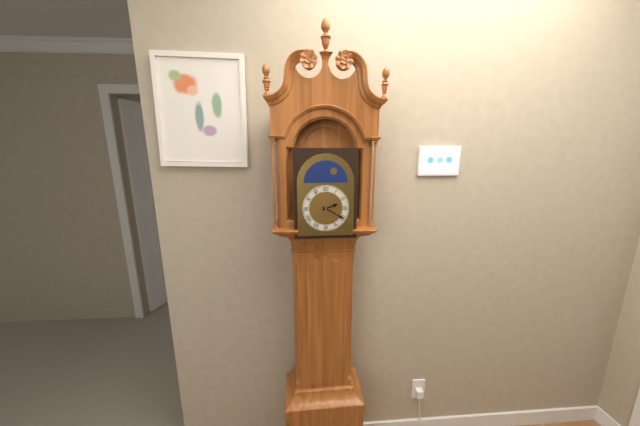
h=2 m=20
